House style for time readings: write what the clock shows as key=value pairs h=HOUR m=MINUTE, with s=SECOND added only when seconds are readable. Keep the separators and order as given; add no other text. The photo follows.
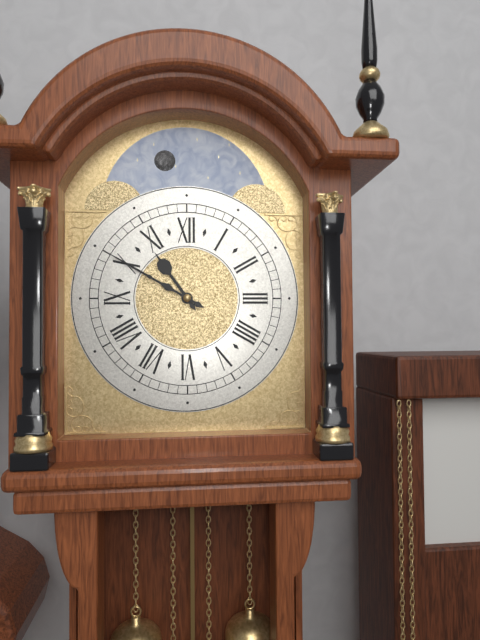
h=10 m=50
